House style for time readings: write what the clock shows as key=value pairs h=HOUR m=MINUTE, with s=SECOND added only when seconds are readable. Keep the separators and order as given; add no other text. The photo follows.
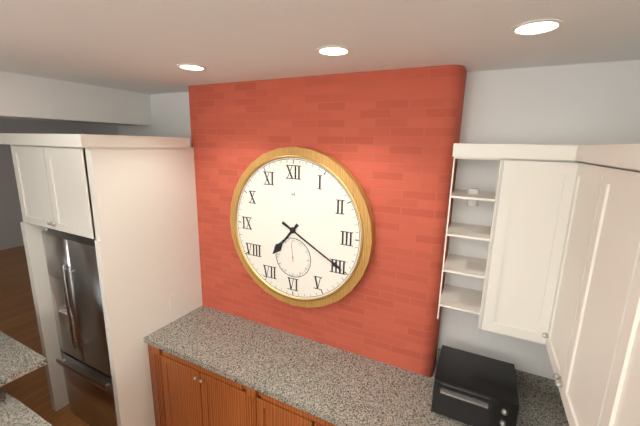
h=7 m=20
